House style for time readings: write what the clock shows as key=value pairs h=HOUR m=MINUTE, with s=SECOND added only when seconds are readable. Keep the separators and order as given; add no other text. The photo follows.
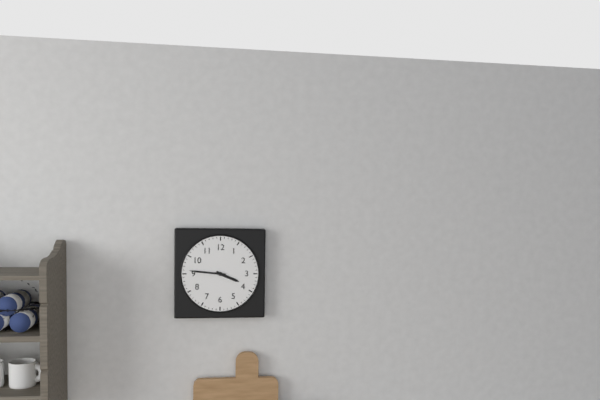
h=3 m=46
